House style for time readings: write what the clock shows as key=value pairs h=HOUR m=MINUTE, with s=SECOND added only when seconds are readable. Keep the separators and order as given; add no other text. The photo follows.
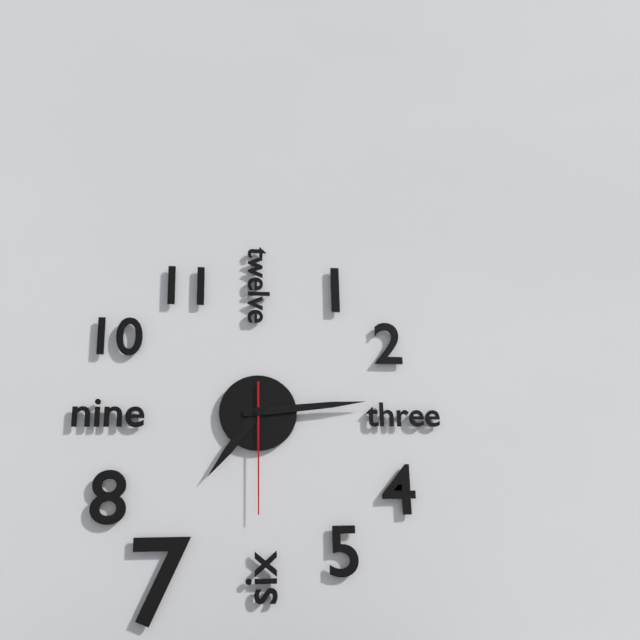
h=7 m=14 s=30
